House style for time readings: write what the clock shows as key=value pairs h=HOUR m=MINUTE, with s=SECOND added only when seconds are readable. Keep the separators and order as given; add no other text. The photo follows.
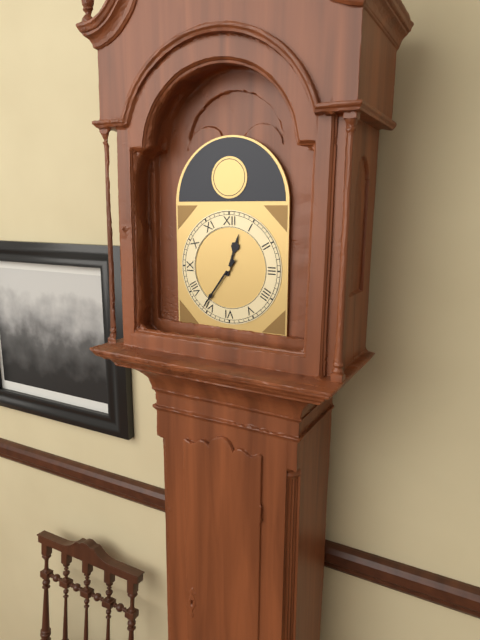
h=12 m=36
